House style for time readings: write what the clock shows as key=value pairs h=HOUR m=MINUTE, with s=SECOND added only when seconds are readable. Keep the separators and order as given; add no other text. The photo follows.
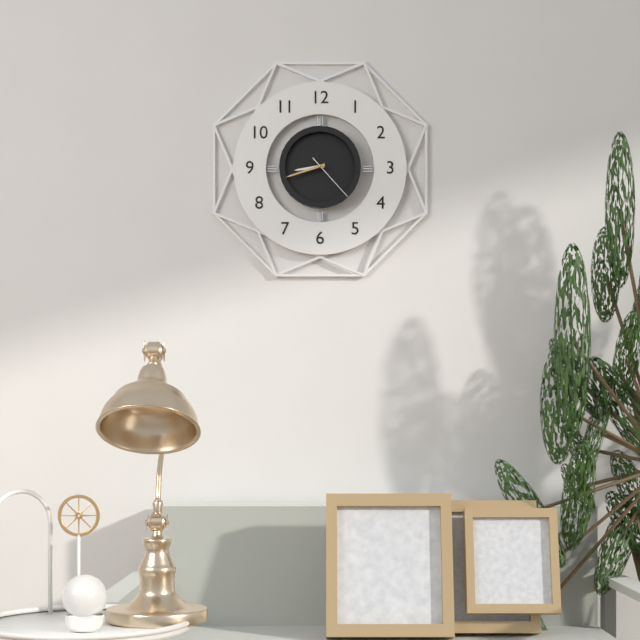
h=8 m=42 s=23
